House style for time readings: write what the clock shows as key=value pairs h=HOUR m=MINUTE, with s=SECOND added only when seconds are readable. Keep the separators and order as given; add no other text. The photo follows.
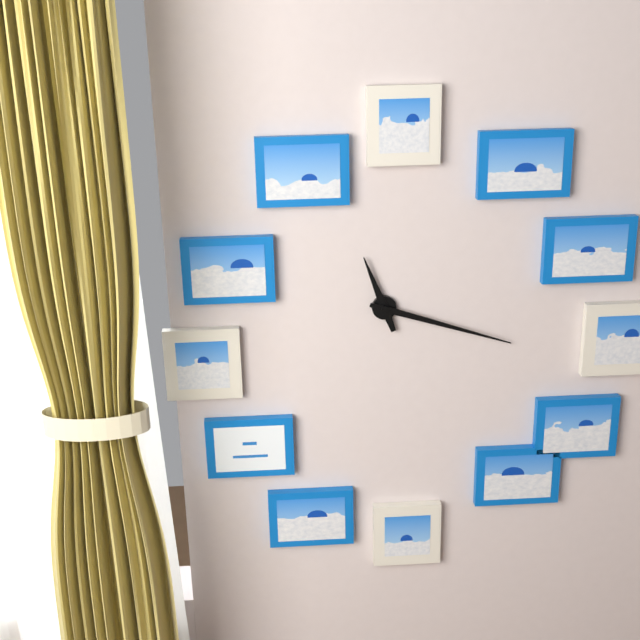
h=11 m=18
